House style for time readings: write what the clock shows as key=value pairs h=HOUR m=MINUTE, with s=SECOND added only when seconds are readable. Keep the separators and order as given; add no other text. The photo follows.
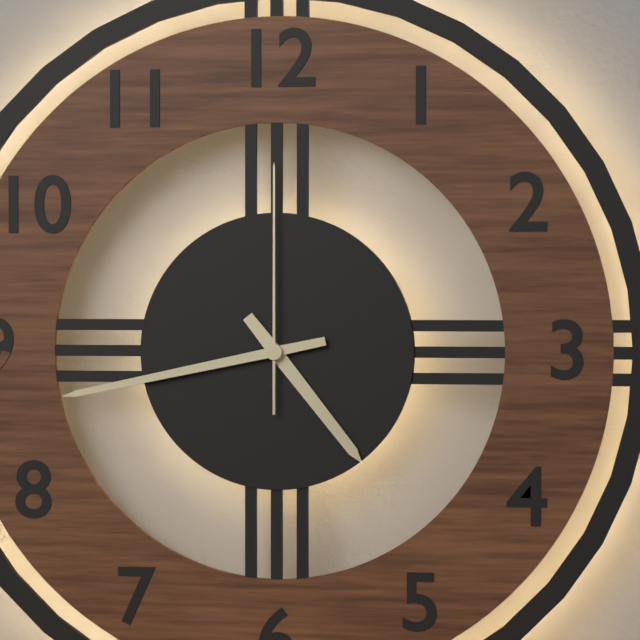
h=4 m=43 s=0
